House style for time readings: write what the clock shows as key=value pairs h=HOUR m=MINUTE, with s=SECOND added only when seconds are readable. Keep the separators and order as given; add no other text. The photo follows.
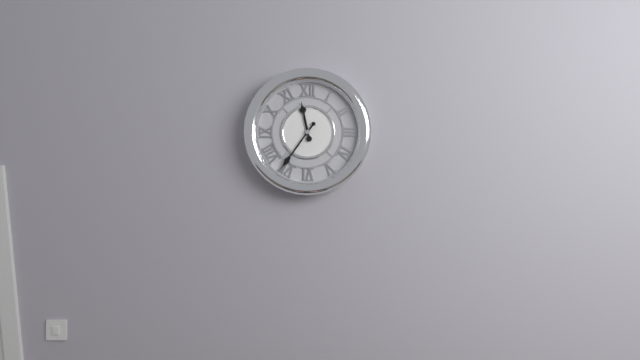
h=11 m=36
